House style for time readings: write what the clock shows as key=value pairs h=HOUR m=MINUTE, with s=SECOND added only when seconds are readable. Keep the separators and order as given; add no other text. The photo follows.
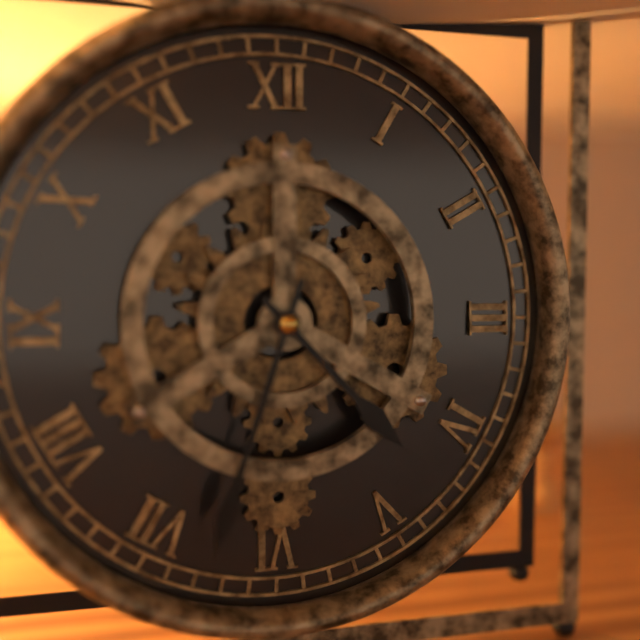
h=4 m=33
